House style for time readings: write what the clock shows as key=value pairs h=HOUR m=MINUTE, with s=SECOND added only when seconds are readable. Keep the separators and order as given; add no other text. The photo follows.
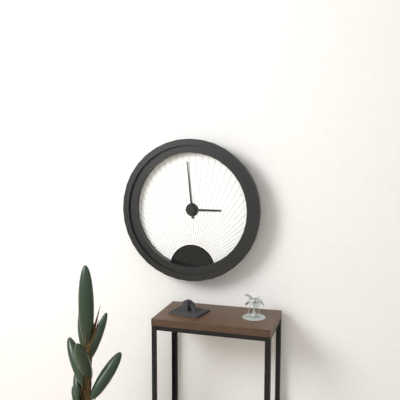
h=2 m=59
